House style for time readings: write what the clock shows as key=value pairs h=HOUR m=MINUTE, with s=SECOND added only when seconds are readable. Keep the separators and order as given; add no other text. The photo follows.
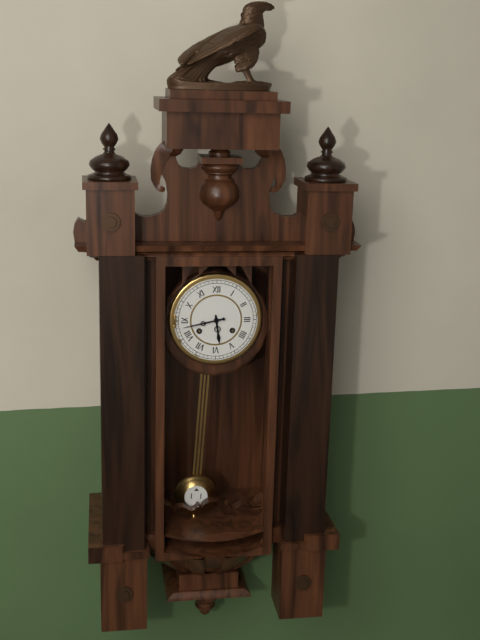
h=5 m=43
